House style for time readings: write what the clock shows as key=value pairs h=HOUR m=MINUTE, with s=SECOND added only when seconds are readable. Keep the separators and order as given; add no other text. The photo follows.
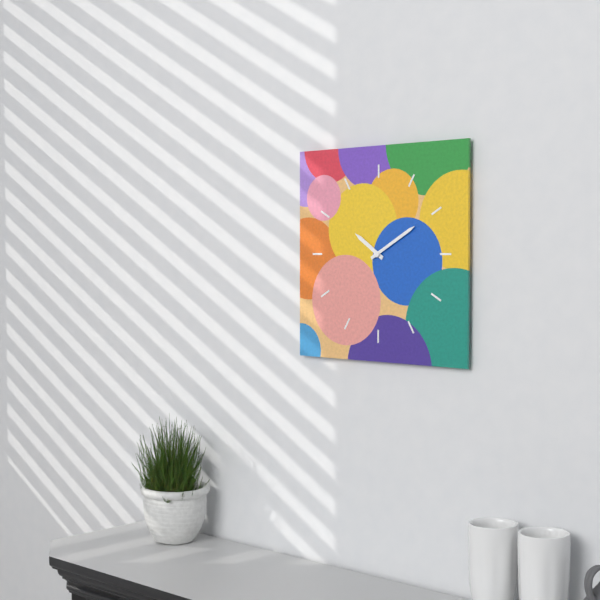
h=10 m=10
